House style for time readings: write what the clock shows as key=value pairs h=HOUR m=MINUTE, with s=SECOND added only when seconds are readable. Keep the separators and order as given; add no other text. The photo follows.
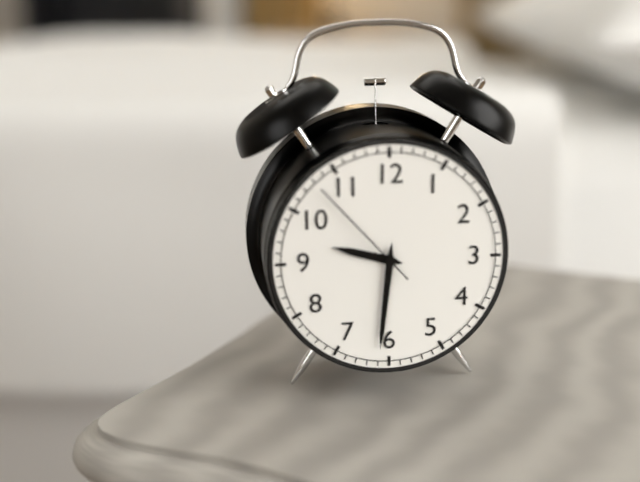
h=9 m=31 s=53
